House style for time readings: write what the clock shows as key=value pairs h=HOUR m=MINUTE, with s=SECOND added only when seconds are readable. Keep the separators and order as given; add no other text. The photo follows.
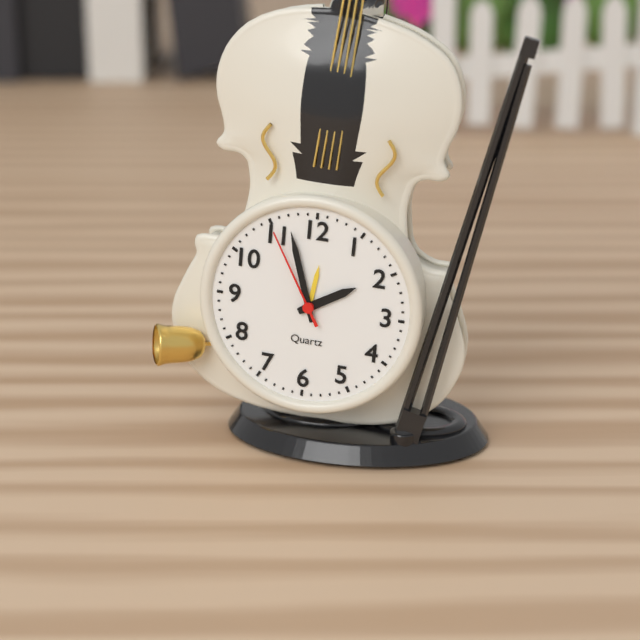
h=1 m=57 s=55
